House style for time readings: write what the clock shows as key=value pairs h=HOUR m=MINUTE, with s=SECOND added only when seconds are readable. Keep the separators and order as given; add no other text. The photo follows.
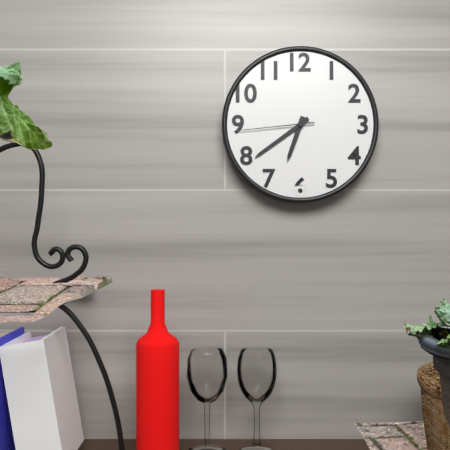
h=6 m=39 s=44
